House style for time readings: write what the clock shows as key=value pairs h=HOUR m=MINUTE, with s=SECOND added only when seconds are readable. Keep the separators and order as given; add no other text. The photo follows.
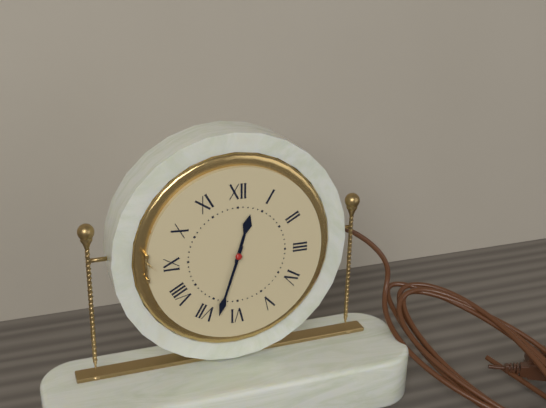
h=12 m=33
